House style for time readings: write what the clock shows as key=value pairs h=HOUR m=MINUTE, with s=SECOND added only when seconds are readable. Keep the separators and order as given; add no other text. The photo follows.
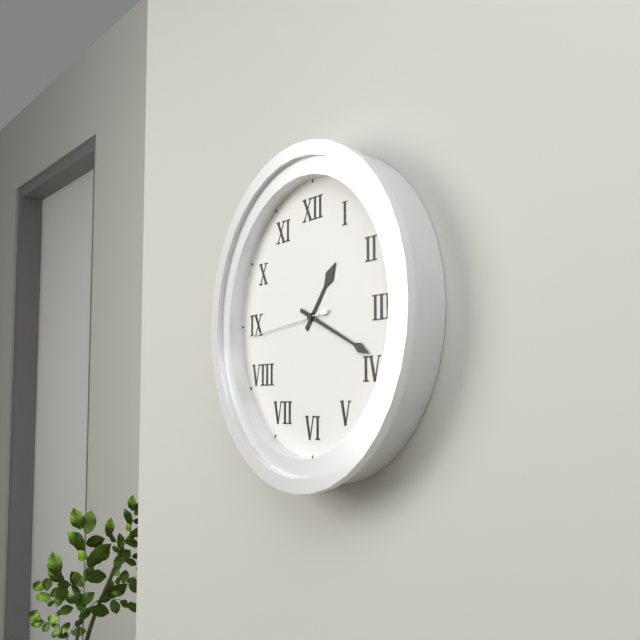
h=1 m=19 s=44
